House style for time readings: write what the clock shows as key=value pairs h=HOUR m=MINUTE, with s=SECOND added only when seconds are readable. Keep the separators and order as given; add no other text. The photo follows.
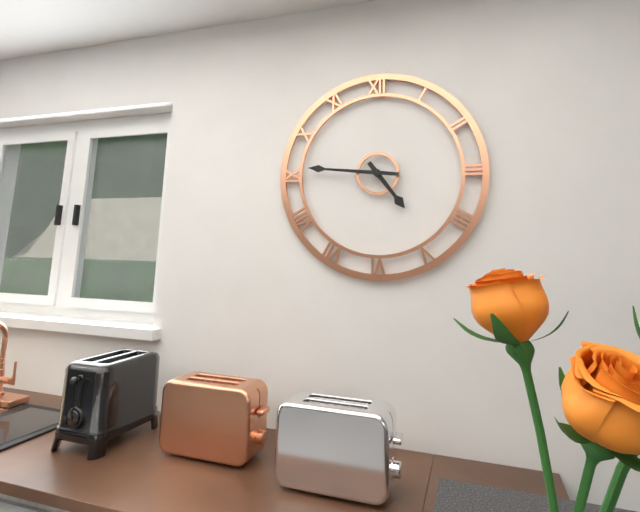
h=4 m=46
